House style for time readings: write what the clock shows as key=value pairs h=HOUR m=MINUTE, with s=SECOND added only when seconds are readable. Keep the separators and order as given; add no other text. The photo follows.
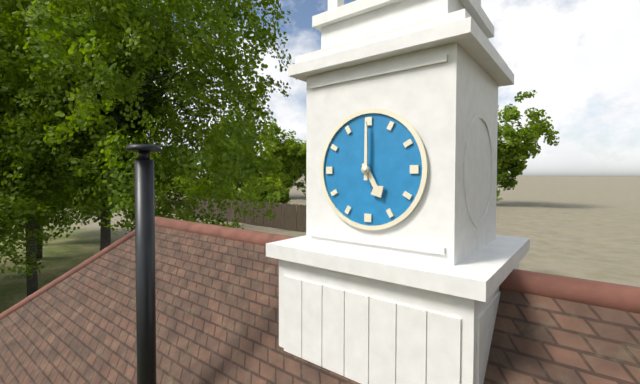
h=5 m=0
